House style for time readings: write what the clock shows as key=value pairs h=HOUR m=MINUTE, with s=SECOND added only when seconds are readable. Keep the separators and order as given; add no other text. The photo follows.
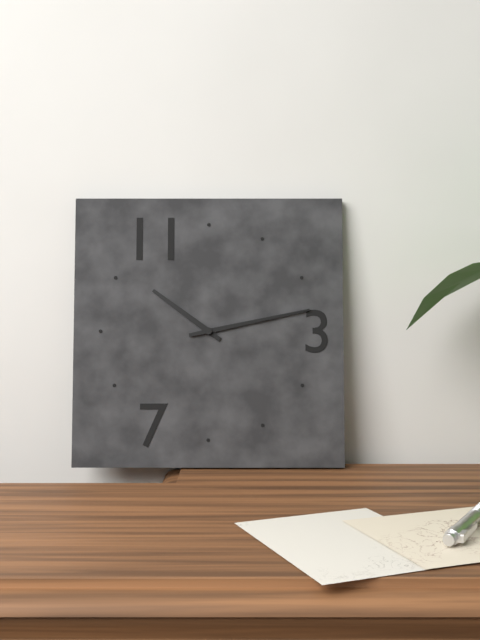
h=10 m=13
